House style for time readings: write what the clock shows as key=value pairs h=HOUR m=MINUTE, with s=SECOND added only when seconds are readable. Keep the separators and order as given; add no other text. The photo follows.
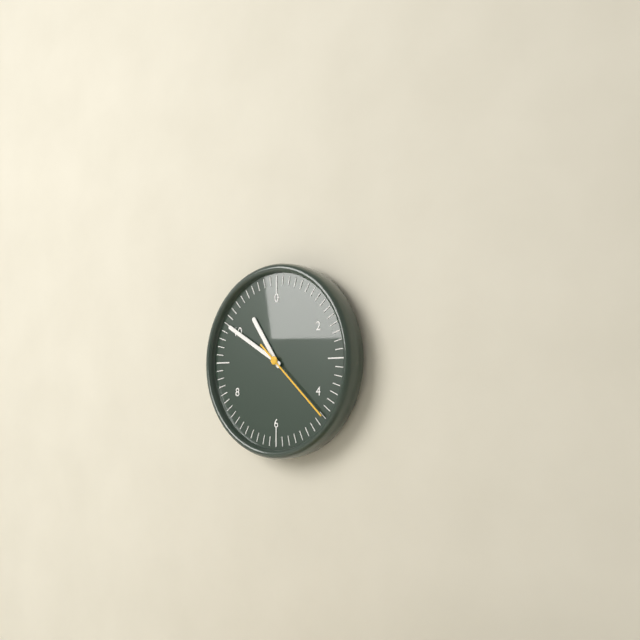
h=10 m=50 s=22
